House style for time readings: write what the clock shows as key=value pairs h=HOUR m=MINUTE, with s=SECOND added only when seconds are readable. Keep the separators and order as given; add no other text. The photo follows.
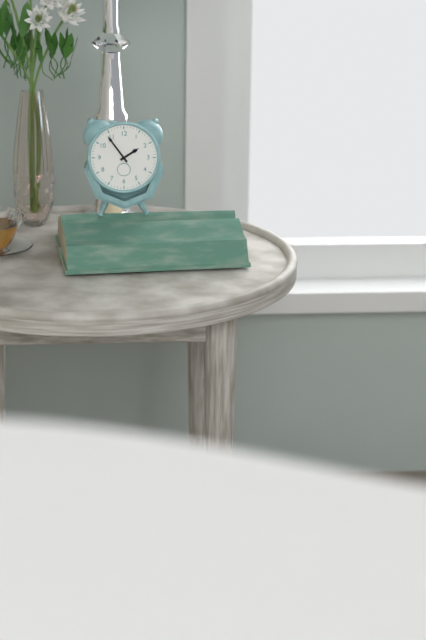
h=1 m=54
